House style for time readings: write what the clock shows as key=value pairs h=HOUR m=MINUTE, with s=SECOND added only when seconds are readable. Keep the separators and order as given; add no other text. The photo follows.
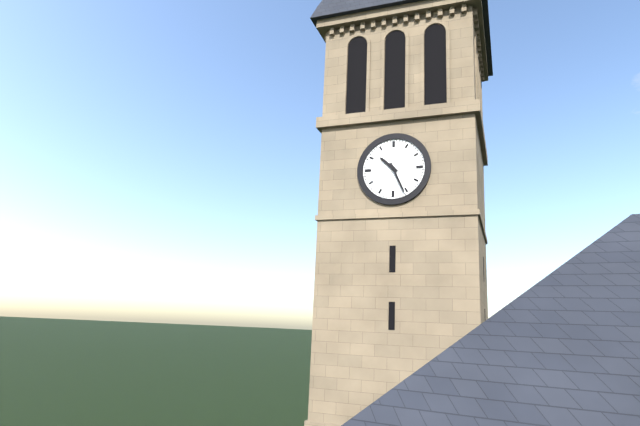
h=10 m=26
